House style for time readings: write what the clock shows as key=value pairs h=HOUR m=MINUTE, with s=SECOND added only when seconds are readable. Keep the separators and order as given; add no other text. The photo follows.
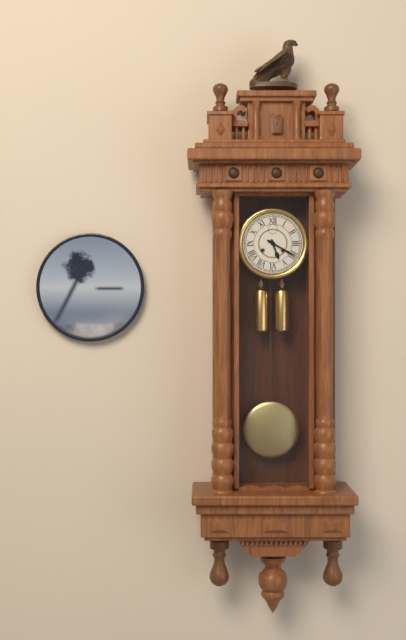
h=5 m=20
